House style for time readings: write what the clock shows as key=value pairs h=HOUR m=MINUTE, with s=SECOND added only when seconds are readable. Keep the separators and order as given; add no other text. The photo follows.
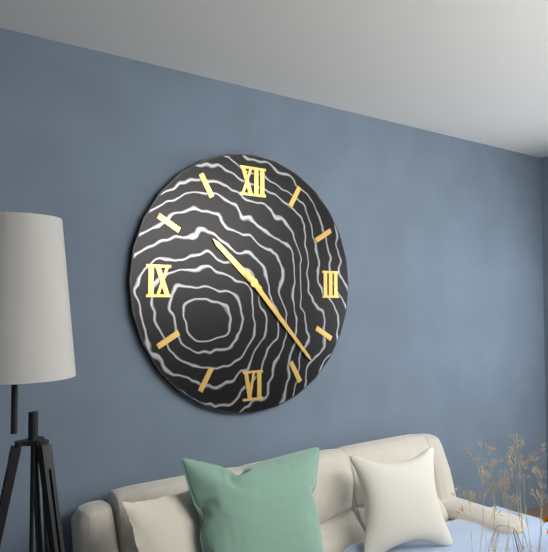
h=10 m=23
